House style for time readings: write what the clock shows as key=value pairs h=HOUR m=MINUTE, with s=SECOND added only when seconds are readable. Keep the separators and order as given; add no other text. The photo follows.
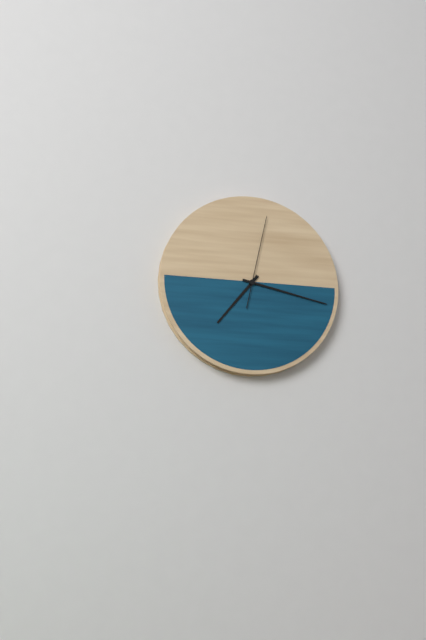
h=7 m=17 s=2
